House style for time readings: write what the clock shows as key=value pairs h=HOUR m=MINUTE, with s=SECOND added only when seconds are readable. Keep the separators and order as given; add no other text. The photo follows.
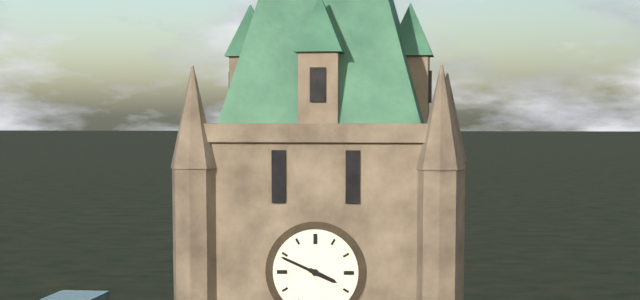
h=3 m=49
